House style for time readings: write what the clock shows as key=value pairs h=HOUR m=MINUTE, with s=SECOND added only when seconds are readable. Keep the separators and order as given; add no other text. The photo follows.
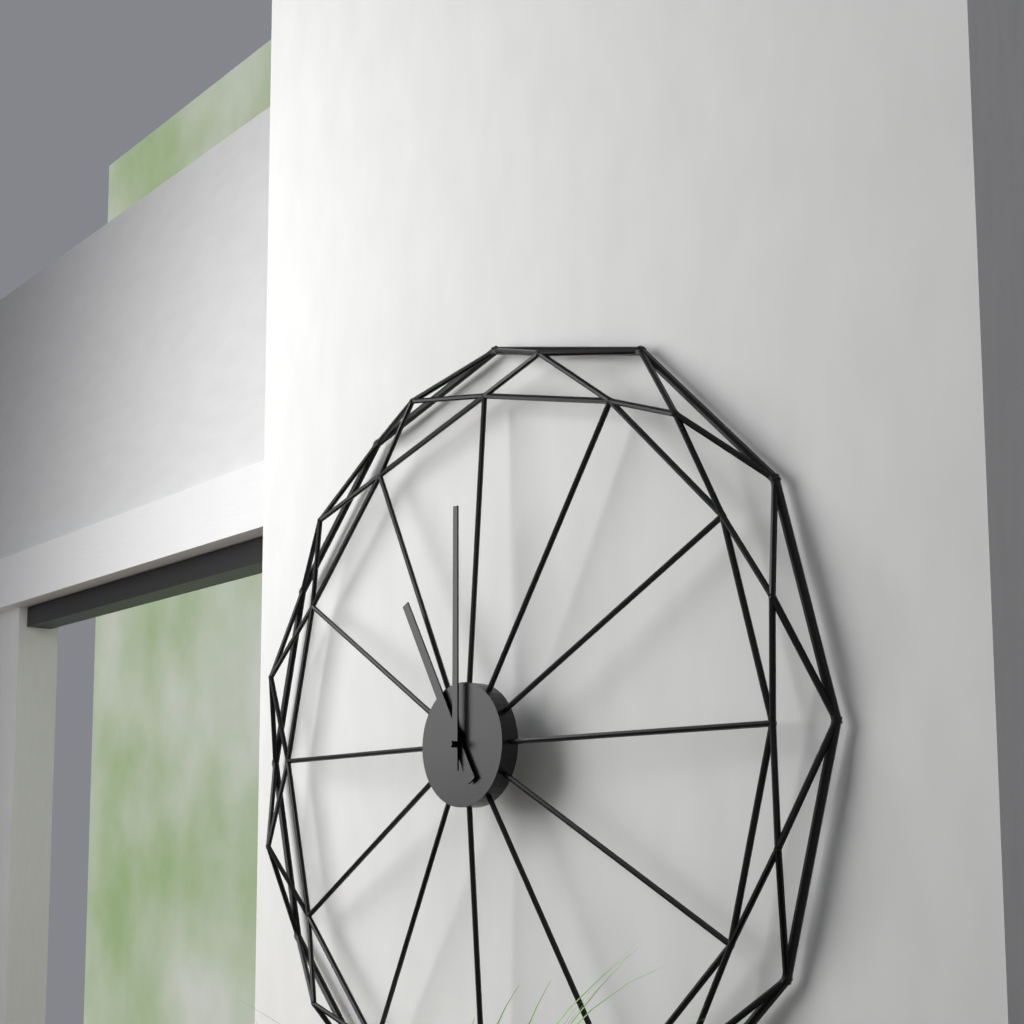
h=11 m=0
